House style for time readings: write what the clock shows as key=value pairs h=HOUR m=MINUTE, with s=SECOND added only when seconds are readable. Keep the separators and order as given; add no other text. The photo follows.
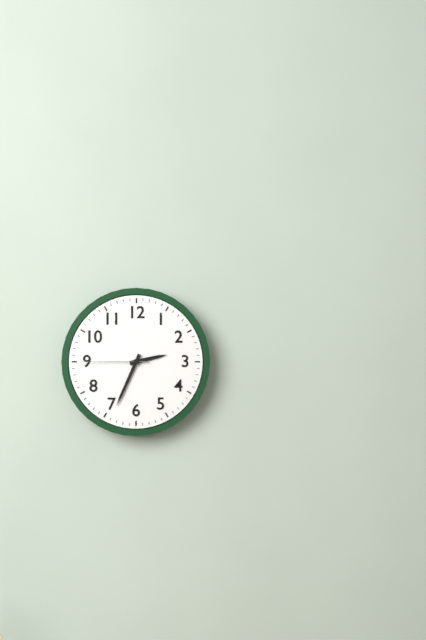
h=2 m=34 s=45
